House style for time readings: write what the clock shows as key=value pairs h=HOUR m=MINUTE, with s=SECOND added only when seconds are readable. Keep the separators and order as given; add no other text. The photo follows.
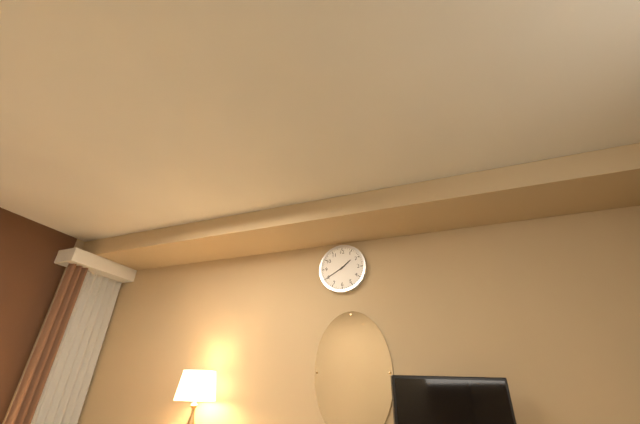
h=1 m=40
